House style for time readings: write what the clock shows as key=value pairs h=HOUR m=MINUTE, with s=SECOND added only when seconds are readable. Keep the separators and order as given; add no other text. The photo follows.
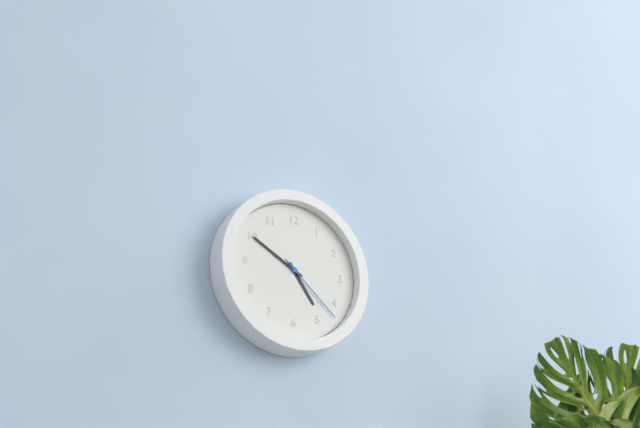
h=4 m=50 s=22
